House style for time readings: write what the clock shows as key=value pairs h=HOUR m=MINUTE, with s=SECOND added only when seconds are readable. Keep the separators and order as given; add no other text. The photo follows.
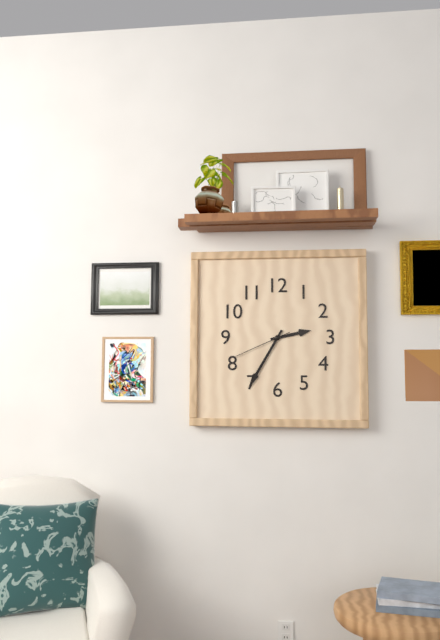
h=2 m=35 s=41
